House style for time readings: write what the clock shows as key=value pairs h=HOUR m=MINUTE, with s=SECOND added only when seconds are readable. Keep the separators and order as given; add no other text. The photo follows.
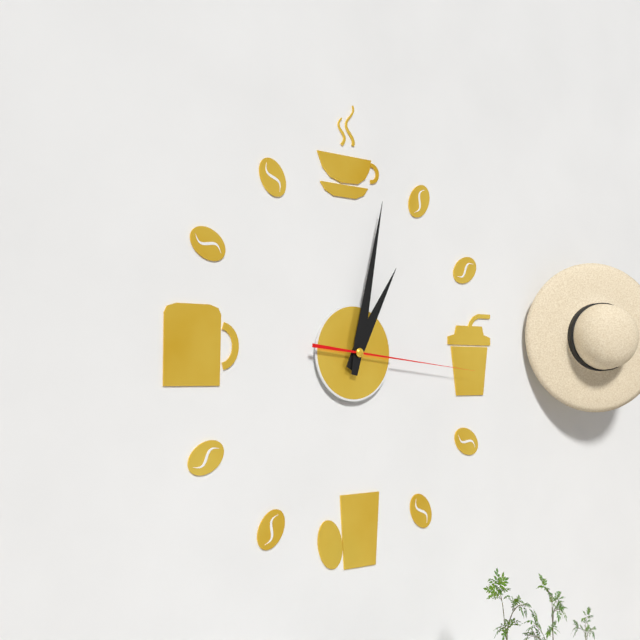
h=1 m=2 s=16
